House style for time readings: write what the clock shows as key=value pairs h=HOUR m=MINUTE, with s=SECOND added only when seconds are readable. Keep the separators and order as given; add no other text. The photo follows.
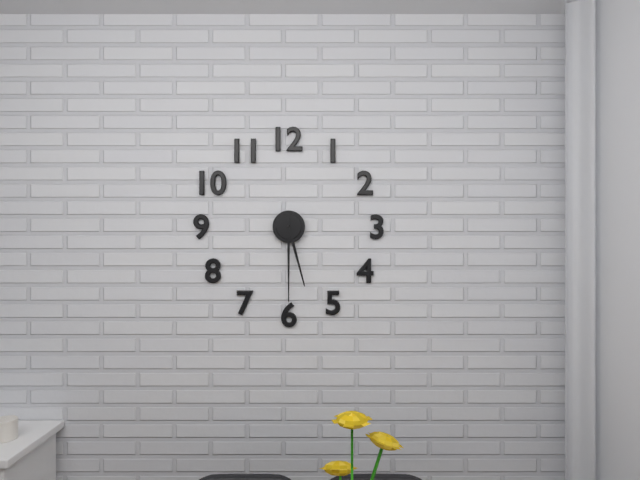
h=5 m=30
